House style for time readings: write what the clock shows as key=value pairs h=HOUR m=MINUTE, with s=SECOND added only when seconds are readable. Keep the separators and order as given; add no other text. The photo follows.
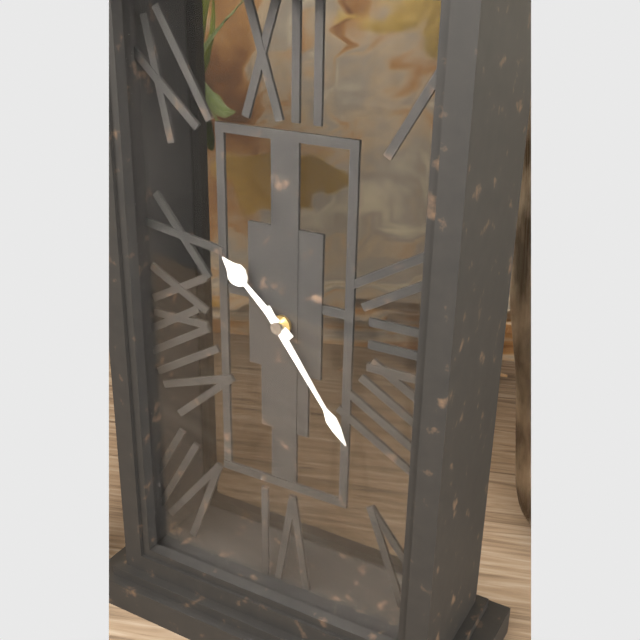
h=10 m=24
